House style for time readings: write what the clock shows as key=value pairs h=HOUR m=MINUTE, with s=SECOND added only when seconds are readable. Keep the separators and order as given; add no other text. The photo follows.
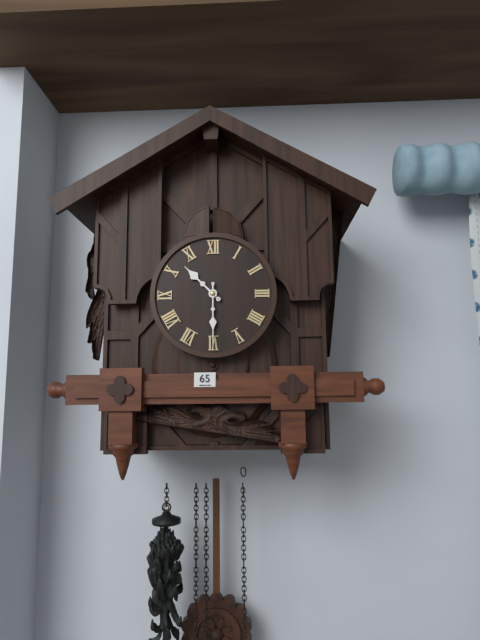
h=10 m=30
